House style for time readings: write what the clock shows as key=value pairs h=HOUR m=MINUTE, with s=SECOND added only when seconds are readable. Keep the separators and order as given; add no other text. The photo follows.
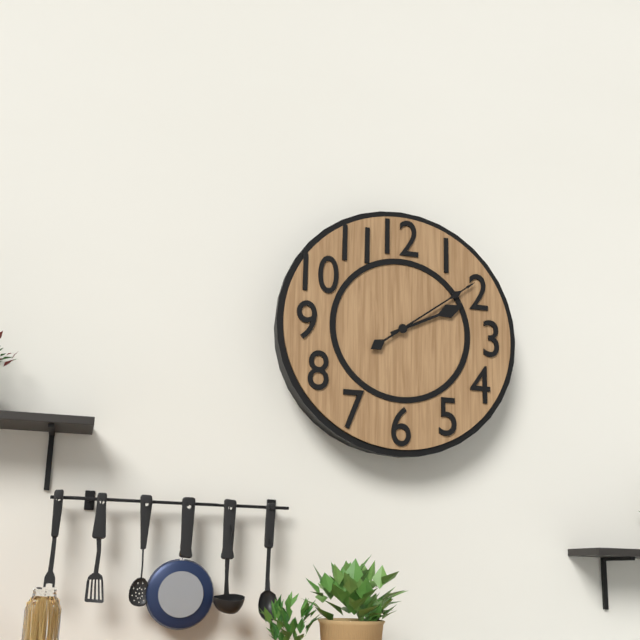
h=2 m=9
